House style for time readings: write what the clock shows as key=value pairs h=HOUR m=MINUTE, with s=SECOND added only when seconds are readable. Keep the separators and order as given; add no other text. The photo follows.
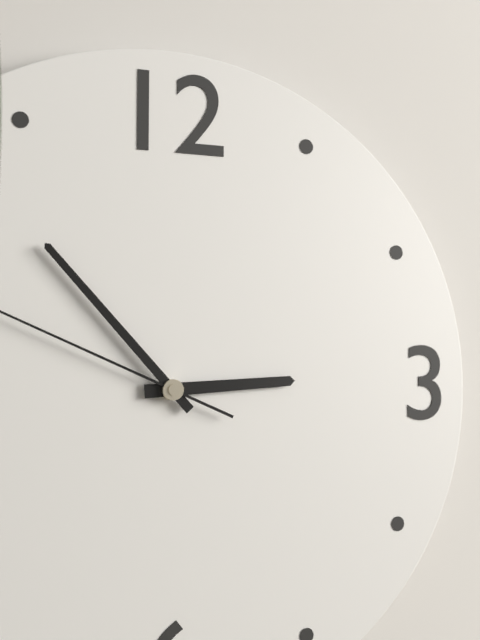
h=2 m=53
